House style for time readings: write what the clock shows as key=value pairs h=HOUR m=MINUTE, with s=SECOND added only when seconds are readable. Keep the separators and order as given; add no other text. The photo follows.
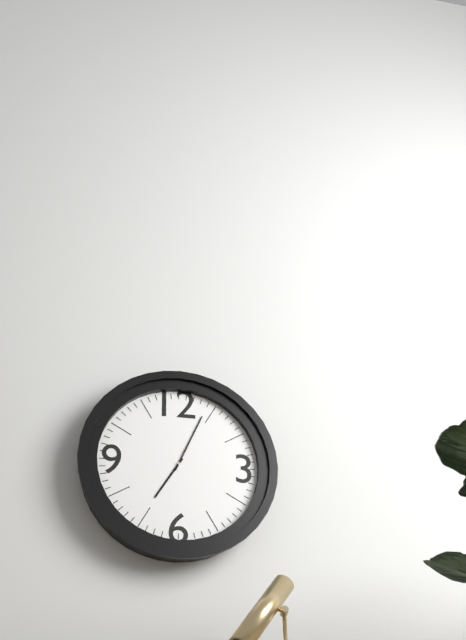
h=7 m=4
